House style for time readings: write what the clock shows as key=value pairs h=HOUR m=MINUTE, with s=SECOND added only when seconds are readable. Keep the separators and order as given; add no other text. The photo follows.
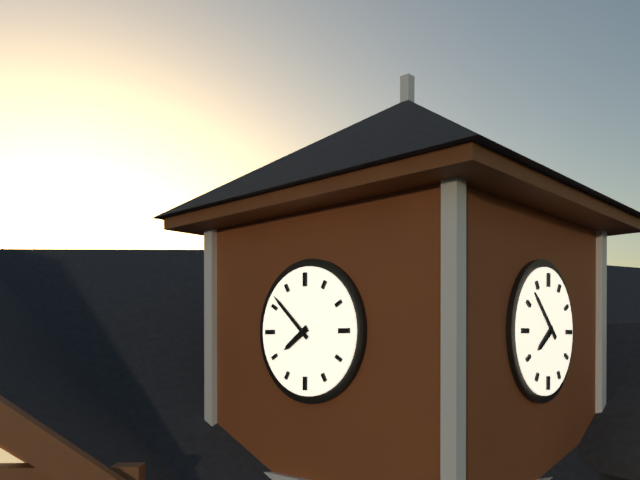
h=7 m=52
